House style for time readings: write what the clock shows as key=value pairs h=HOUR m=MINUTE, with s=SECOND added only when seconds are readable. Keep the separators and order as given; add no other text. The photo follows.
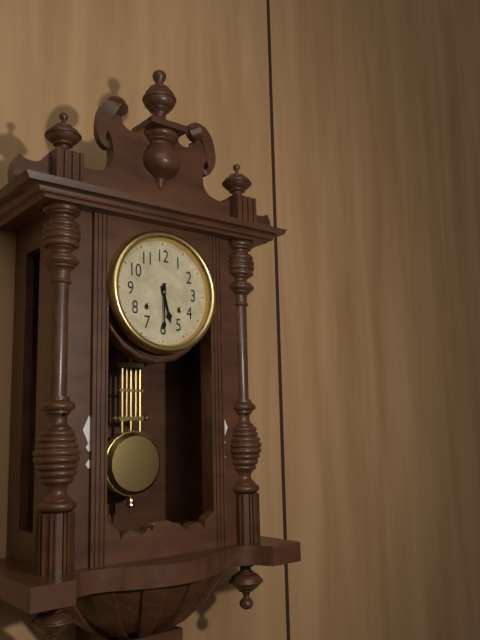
h=5 m=30
